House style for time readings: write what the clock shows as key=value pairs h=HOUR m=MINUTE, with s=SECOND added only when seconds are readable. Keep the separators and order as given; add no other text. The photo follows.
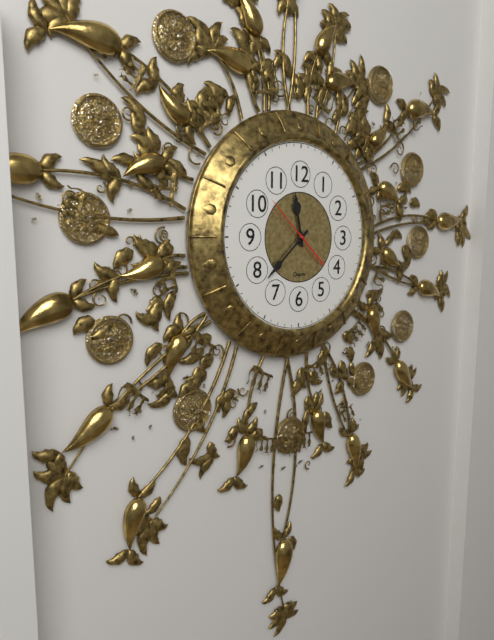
h=11 m=38
